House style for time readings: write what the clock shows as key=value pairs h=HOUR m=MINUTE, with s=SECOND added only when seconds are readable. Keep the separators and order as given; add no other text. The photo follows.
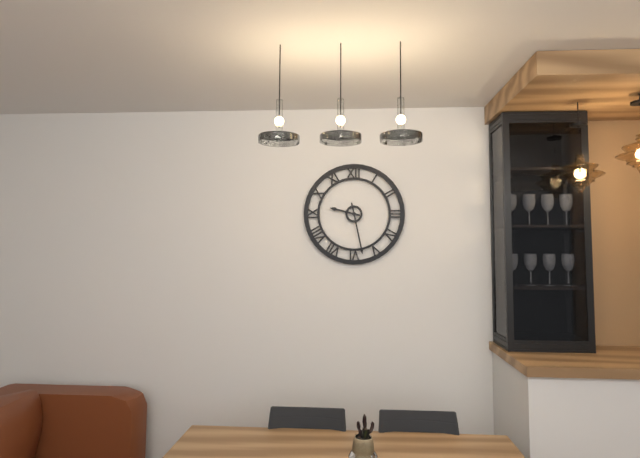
h=9 m=28
